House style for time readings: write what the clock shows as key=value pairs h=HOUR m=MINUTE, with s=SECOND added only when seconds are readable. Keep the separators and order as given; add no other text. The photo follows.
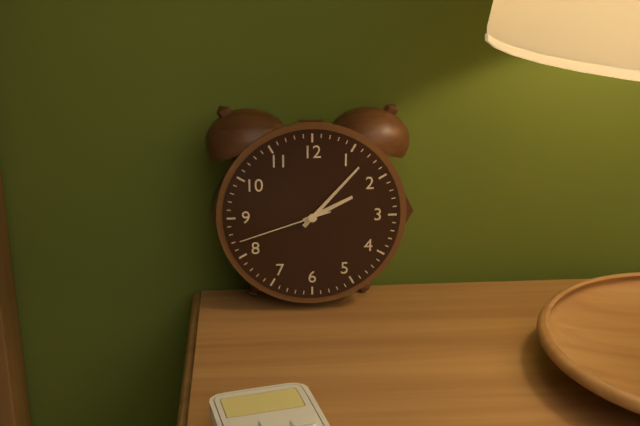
h=2 m=7 s=42
